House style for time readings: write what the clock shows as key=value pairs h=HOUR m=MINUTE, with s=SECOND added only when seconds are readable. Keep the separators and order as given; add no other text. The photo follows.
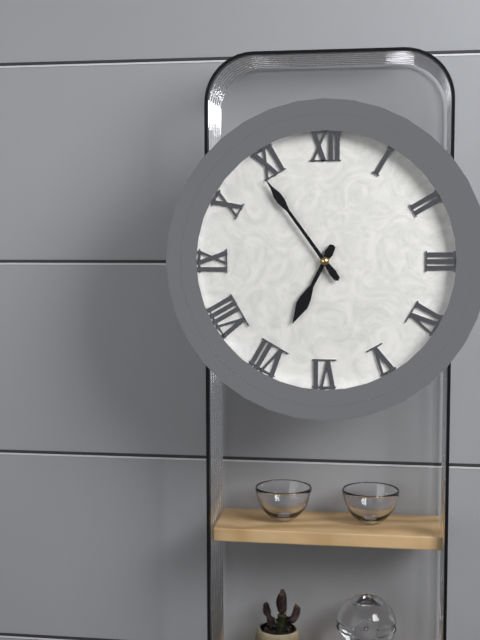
h=6 m=54
